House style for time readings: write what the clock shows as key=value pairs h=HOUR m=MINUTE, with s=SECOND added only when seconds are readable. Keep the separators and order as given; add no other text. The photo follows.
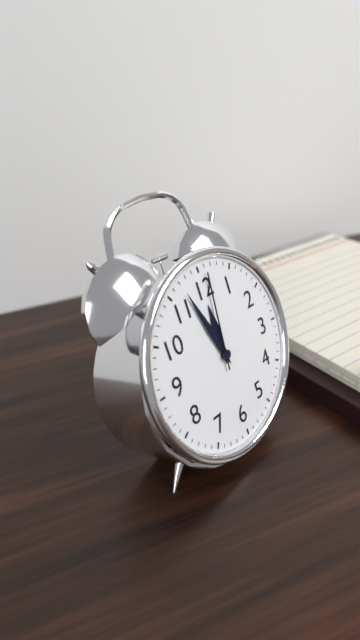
h=11 m=57 s=1
